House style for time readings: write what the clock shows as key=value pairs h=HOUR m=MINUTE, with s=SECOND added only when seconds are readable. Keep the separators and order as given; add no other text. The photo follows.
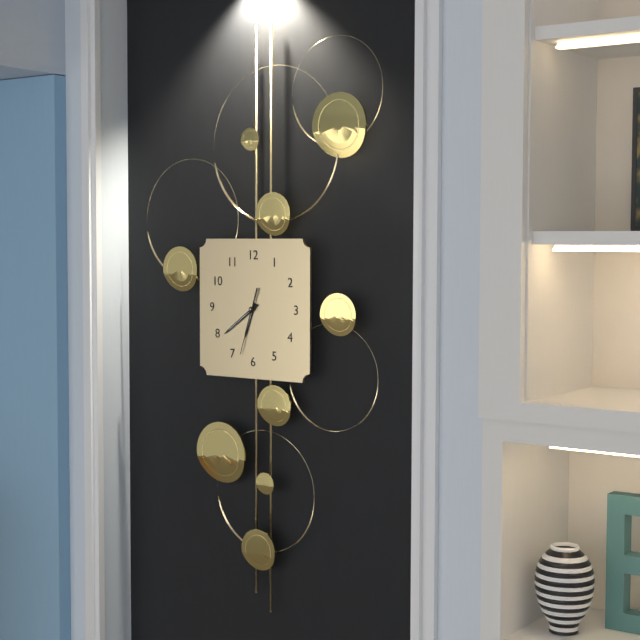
h=6 m=39 s=33
